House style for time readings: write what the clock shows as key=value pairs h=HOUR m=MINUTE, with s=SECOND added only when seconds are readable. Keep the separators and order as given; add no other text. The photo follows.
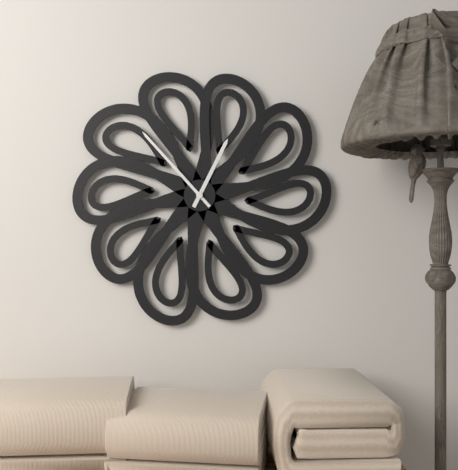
h=12 m=53
